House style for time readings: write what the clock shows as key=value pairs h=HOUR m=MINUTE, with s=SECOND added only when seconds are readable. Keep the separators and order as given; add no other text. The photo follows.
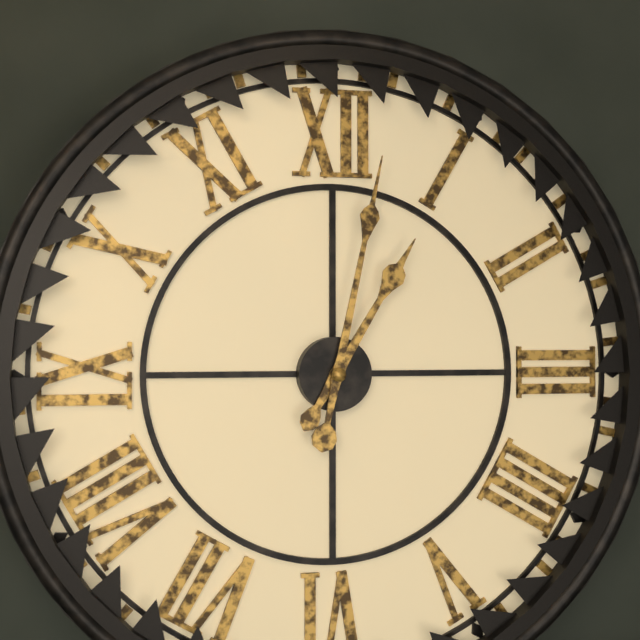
h=1 m=2
